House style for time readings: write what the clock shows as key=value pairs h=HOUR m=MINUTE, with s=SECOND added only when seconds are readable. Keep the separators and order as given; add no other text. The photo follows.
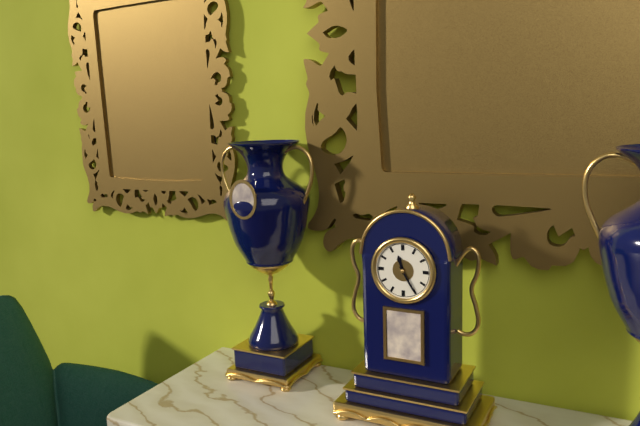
h=11 m=25
